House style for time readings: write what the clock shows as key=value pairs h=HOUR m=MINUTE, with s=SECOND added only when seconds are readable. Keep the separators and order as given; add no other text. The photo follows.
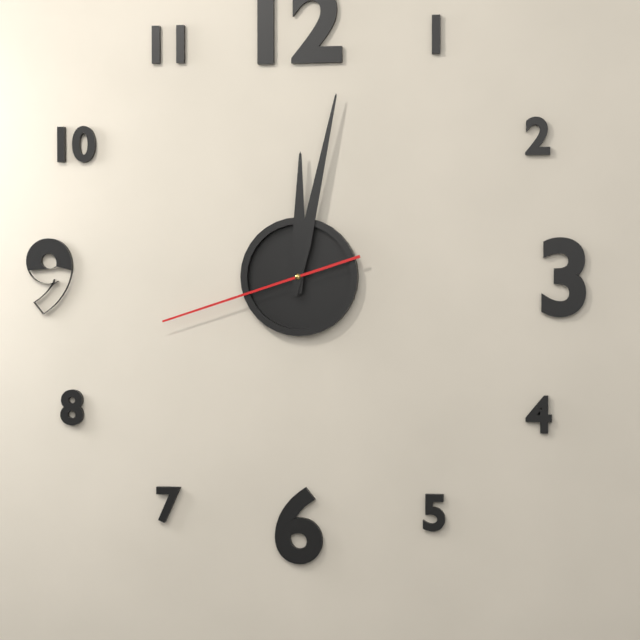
h=12 m=2 s=42
